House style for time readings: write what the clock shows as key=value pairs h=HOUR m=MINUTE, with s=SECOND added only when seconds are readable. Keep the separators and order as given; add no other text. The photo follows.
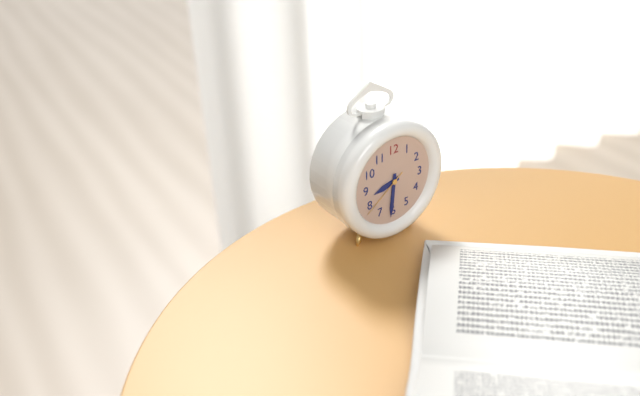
h=8 m=31 s=39
